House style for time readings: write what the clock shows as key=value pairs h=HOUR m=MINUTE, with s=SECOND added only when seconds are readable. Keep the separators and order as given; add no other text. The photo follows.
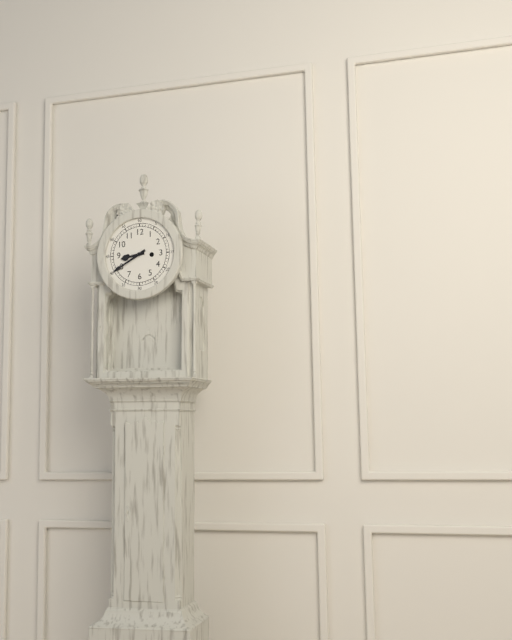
h=8 m=40
